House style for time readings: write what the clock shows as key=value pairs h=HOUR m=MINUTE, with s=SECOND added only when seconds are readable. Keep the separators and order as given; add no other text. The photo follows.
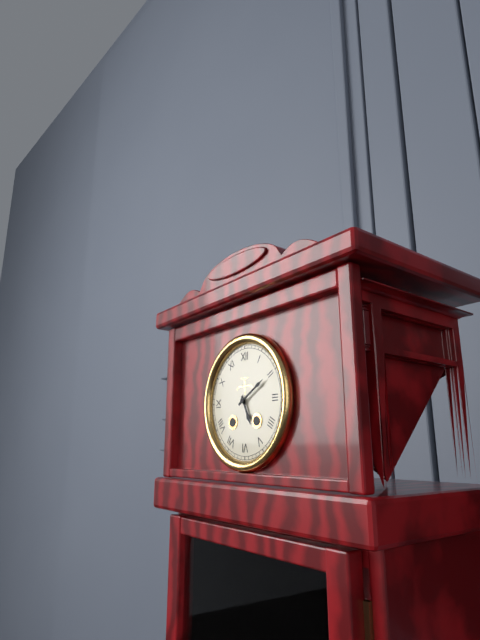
h=5 m=10
